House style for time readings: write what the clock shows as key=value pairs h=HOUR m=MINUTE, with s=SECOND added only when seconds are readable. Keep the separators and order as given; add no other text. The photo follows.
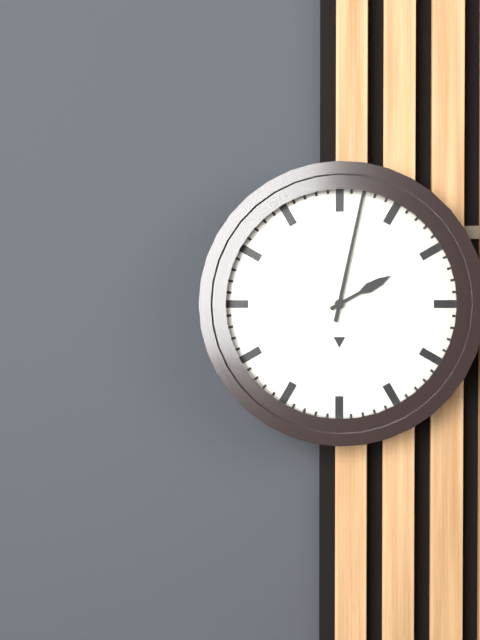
h=2 m=2
